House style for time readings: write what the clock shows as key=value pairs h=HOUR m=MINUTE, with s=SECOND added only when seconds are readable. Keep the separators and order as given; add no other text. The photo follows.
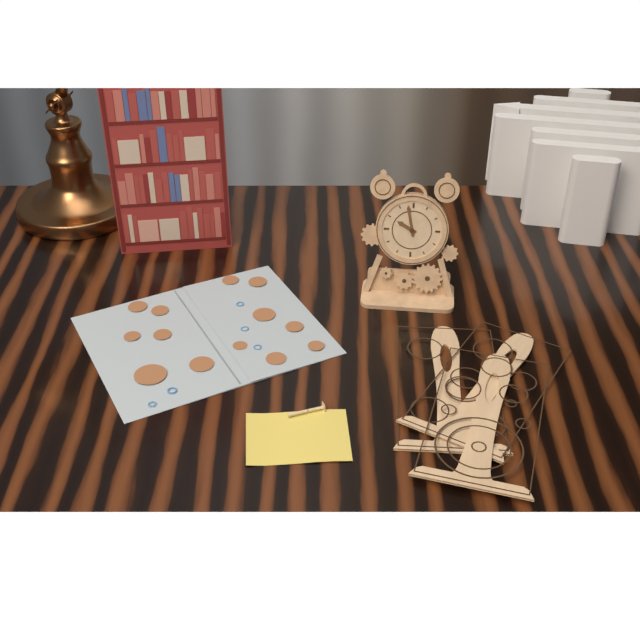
h=9 m=58
